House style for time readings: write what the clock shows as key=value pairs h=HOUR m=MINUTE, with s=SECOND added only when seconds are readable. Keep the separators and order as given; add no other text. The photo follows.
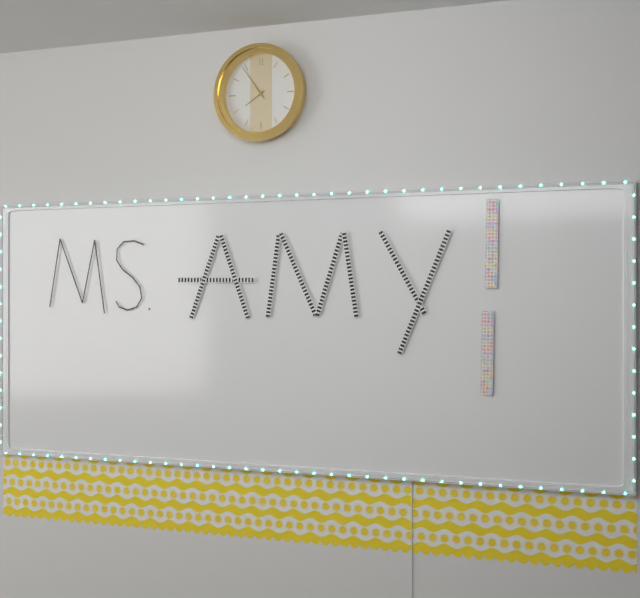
h=7 m=54
